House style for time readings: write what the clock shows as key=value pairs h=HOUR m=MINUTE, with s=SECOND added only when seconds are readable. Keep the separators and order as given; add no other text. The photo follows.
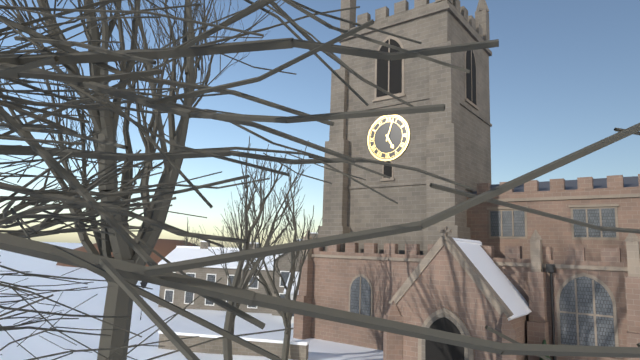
h=5 m=3
